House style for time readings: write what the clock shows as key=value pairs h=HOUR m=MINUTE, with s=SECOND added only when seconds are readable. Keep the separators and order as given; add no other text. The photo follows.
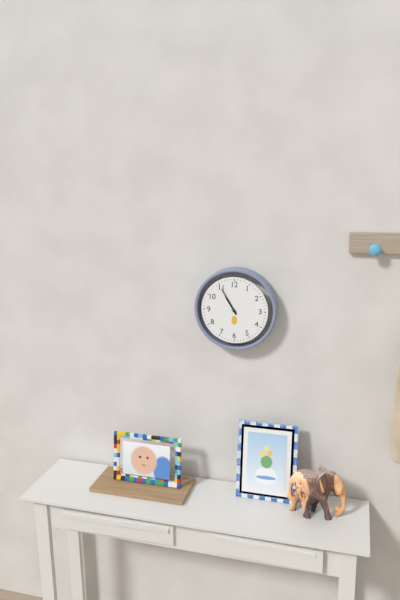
h=10 m=55
